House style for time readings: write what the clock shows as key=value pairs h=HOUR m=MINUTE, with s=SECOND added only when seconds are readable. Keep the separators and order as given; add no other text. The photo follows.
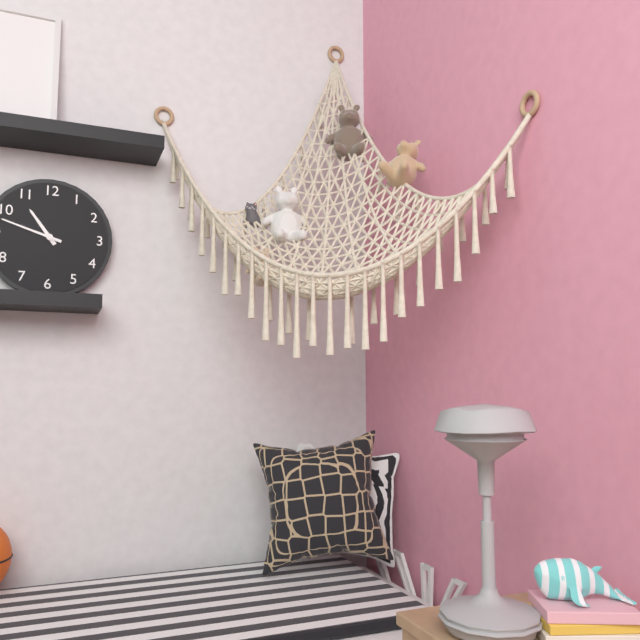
h=10 m=48
